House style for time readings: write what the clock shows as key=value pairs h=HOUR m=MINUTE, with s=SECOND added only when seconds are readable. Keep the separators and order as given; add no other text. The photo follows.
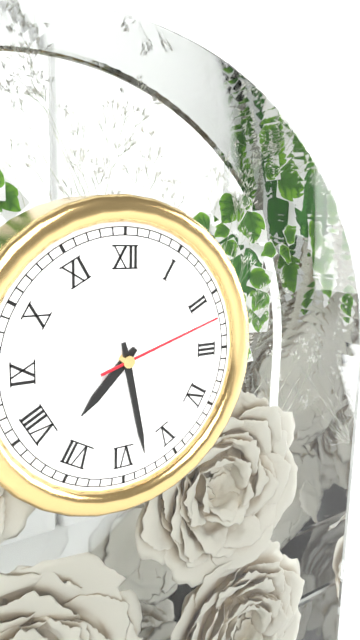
h=7 m=28 s=12
